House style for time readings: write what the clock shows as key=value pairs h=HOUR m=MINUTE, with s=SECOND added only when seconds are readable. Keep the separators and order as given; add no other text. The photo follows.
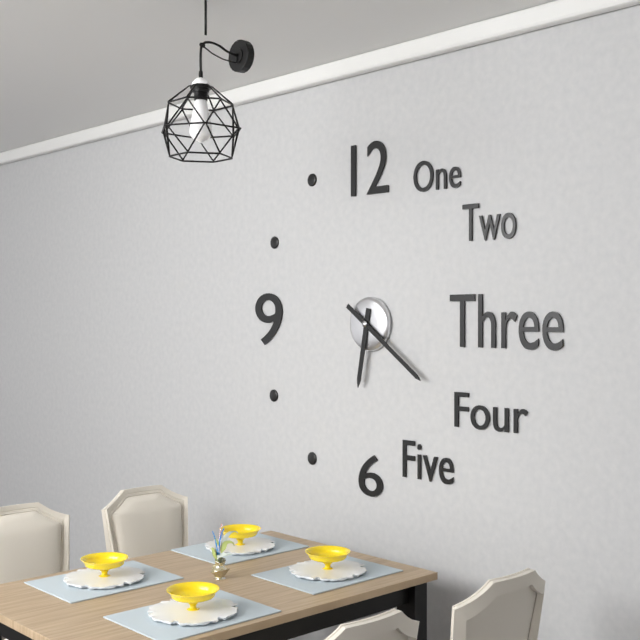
h=6 m=21
